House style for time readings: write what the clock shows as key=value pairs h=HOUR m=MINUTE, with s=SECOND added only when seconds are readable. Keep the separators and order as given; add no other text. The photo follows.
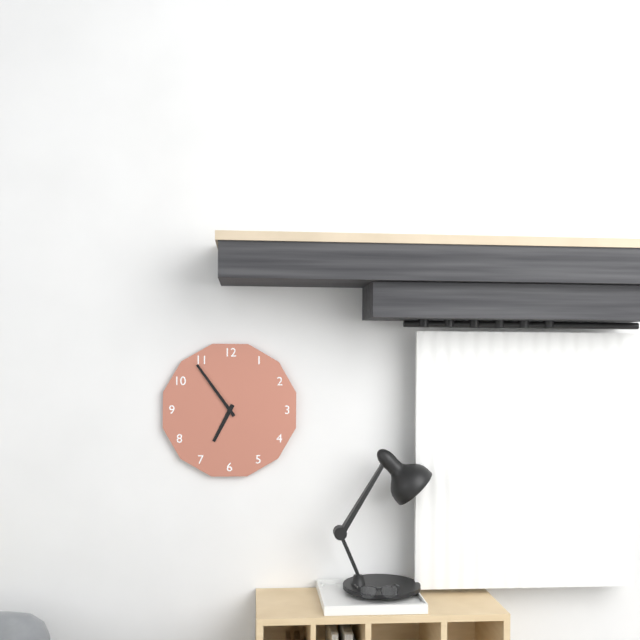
h=6 m=54
